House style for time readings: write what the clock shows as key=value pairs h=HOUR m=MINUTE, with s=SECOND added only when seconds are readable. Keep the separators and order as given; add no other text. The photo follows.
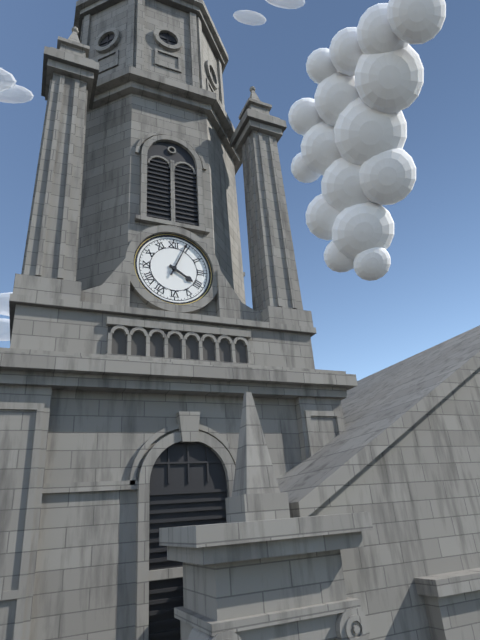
h=4 m=4
